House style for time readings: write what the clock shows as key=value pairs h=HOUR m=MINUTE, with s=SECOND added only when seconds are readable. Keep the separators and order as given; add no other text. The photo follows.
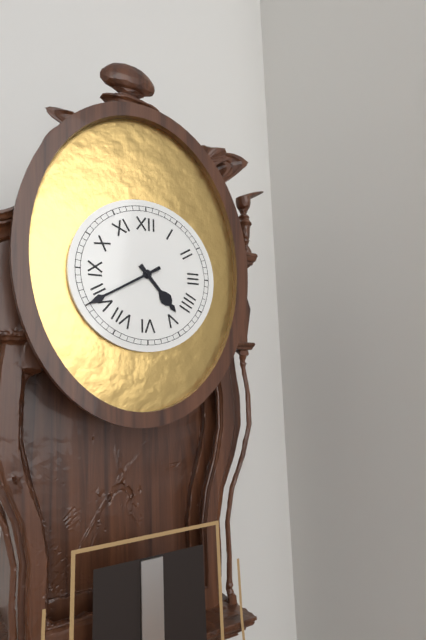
h=4 m=40
